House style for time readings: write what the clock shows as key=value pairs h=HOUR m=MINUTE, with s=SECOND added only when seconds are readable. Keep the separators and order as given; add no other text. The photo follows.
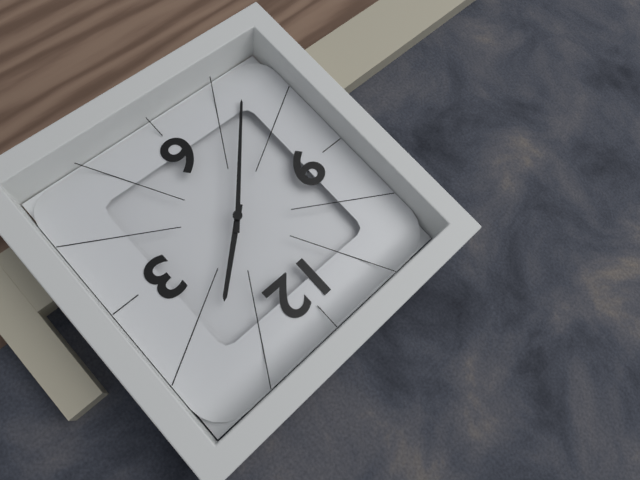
h=1 m=37
